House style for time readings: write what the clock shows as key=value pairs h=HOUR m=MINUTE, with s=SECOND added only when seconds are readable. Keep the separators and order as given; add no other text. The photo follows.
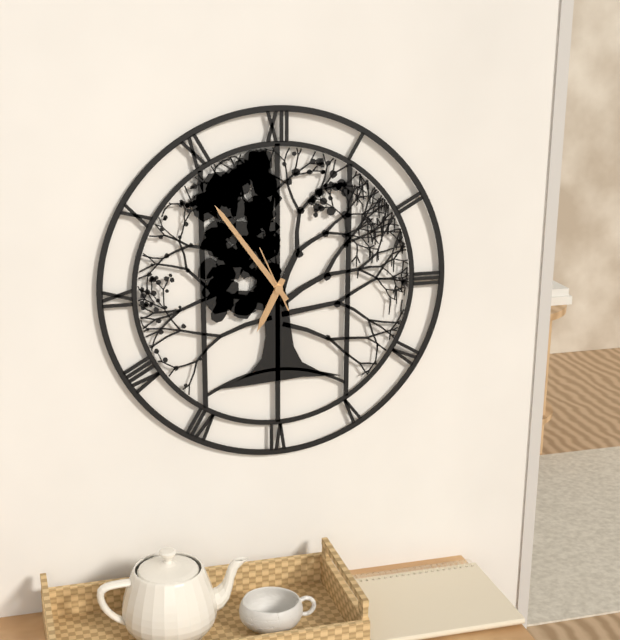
h=6 m=54 s=56
